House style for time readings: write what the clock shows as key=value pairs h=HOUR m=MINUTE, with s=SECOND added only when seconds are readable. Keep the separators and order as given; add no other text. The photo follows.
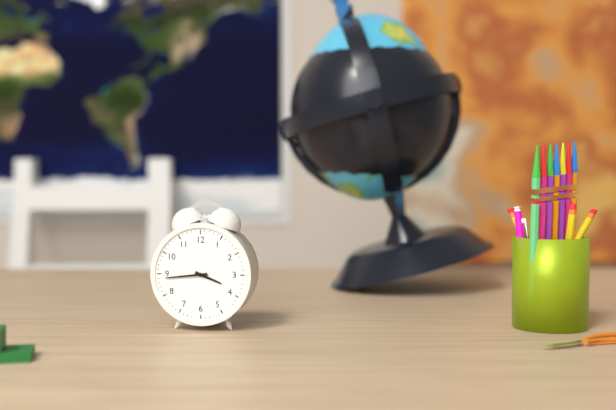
h=3 m=44
